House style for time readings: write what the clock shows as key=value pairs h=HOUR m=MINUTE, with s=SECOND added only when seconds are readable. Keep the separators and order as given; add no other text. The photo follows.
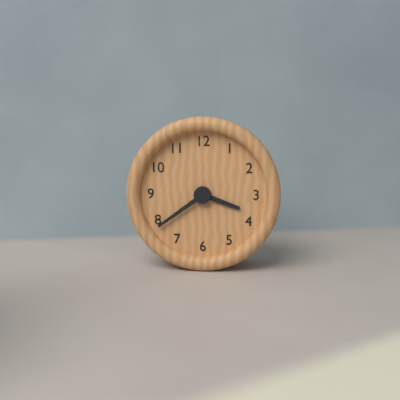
h=3 m=39
